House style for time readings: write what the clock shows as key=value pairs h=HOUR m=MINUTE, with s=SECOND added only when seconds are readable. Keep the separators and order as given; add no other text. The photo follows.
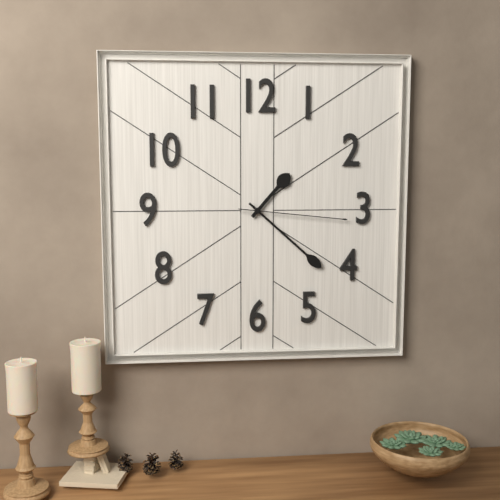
h=1 m=22 s=16
